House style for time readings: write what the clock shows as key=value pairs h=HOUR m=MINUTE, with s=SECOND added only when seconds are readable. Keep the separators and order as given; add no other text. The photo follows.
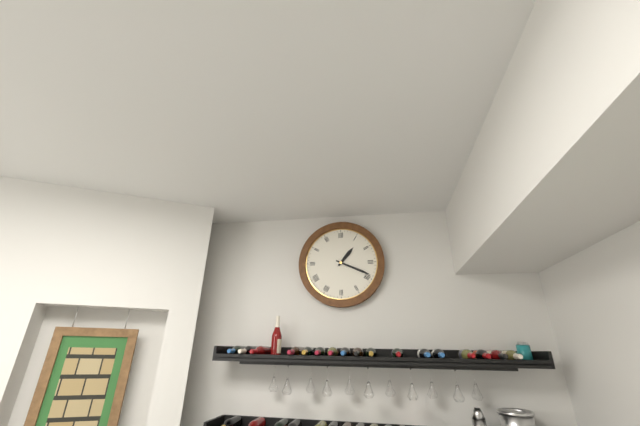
h=1 m=19
